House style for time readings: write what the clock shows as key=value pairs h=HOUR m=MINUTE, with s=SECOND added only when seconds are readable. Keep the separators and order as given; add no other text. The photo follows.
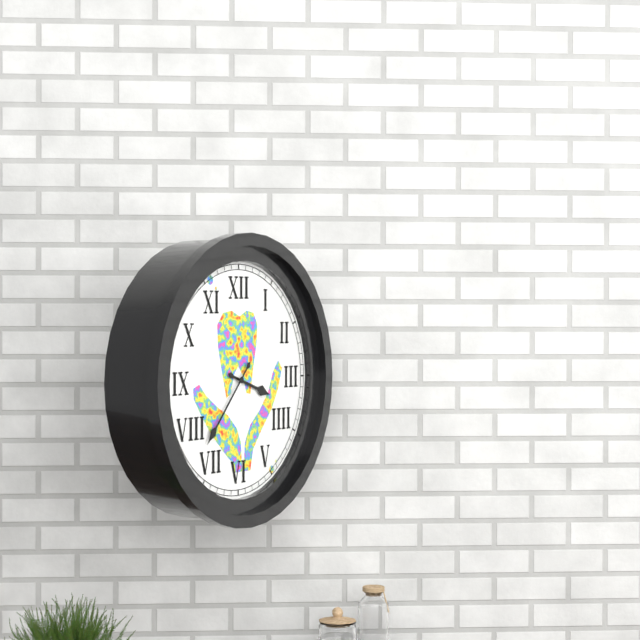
h=3 m=37
